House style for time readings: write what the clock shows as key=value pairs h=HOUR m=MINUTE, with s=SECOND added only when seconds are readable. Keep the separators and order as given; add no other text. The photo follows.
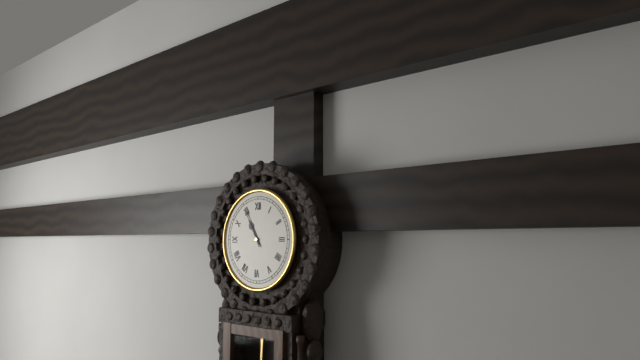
h=10 m=55
